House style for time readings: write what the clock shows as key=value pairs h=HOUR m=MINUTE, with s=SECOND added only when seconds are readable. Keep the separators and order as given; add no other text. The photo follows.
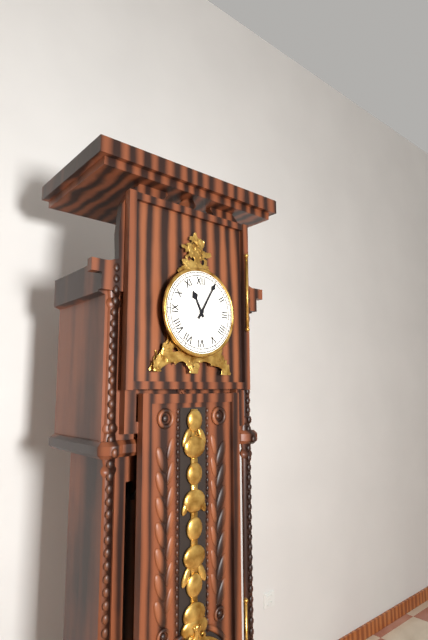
h=11 m=5
